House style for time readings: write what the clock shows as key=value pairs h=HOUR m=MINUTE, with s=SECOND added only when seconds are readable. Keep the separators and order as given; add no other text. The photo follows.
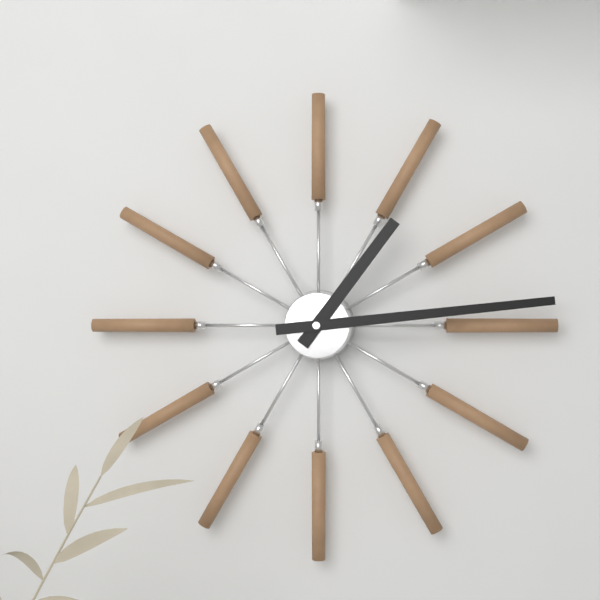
h=1 m=14
